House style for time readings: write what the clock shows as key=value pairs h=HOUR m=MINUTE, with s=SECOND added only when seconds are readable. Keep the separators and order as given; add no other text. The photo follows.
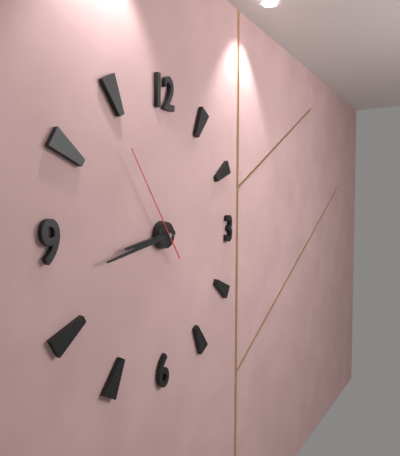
h=8 m=43 s=54
